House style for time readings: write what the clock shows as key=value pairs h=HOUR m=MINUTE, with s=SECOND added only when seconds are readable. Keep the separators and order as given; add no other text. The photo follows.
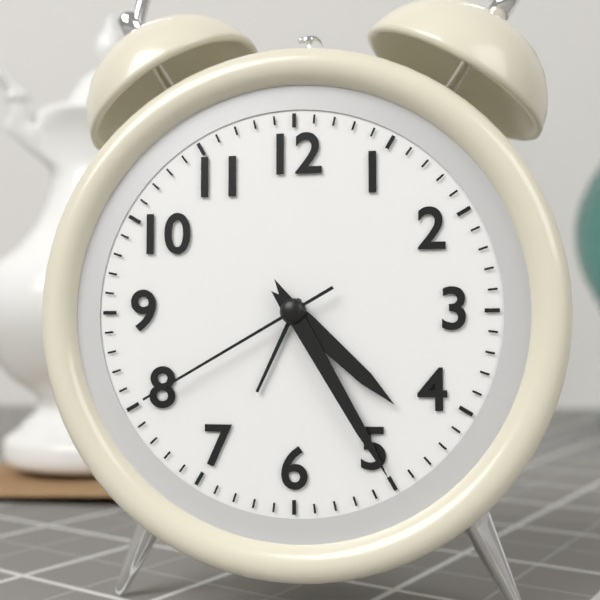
h=4 m=25 s=40
